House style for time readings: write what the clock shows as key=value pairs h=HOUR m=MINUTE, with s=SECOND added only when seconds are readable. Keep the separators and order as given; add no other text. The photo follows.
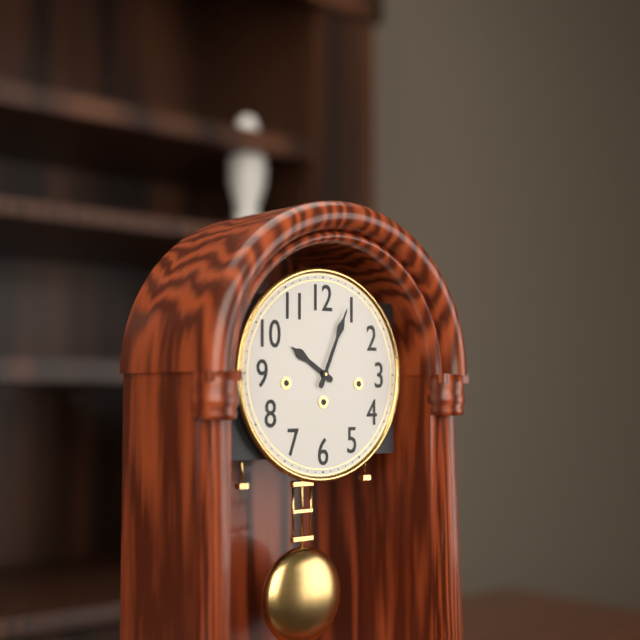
h=10 m=4
